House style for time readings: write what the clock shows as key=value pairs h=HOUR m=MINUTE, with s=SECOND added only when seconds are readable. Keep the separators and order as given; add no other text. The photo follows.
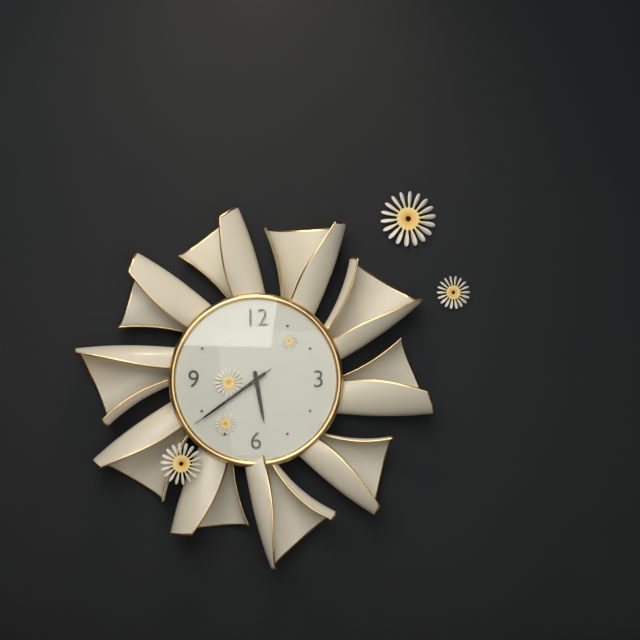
h=5 m=39 s=39
